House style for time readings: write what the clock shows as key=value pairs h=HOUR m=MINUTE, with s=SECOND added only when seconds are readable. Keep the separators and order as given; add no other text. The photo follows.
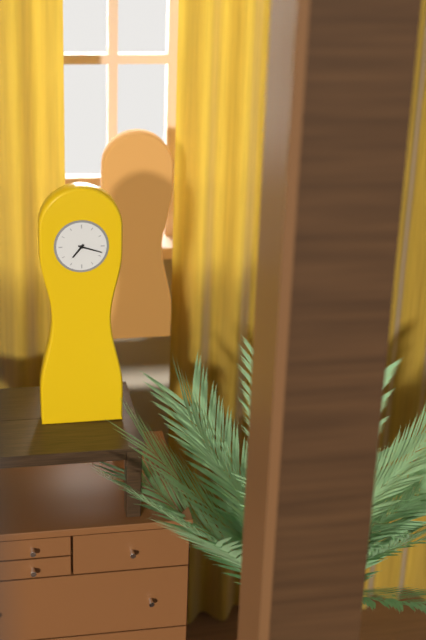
h=7 m=18
